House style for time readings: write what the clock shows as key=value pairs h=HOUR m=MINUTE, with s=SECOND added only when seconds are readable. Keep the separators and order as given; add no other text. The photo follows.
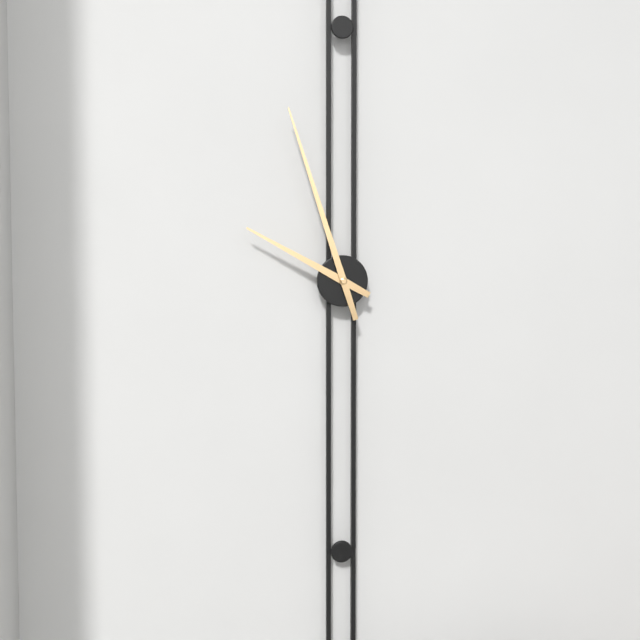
h=9 m=57
